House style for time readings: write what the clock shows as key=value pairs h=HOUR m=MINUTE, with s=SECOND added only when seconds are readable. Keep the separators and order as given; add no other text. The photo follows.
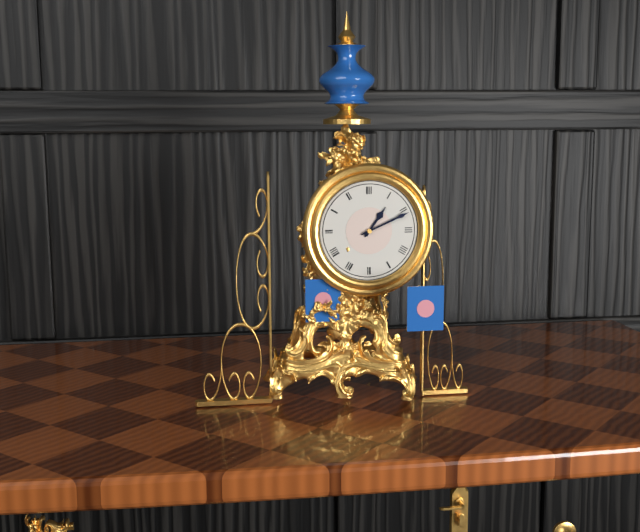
h=1 m=11
